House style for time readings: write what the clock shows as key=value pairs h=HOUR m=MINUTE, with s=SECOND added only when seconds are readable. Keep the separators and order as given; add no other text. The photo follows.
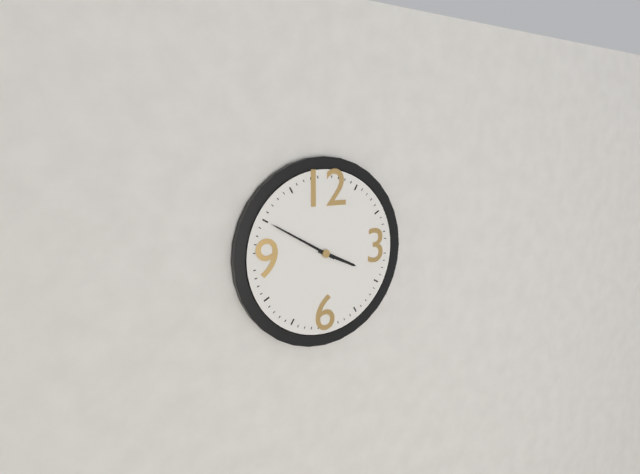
h=3 m=50
